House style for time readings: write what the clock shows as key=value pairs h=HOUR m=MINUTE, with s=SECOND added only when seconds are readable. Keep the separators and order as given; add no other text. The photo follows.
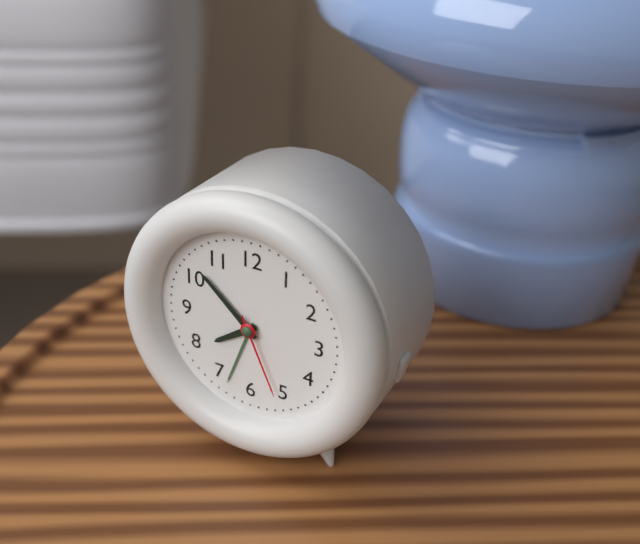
h=7 m=52 s=26
